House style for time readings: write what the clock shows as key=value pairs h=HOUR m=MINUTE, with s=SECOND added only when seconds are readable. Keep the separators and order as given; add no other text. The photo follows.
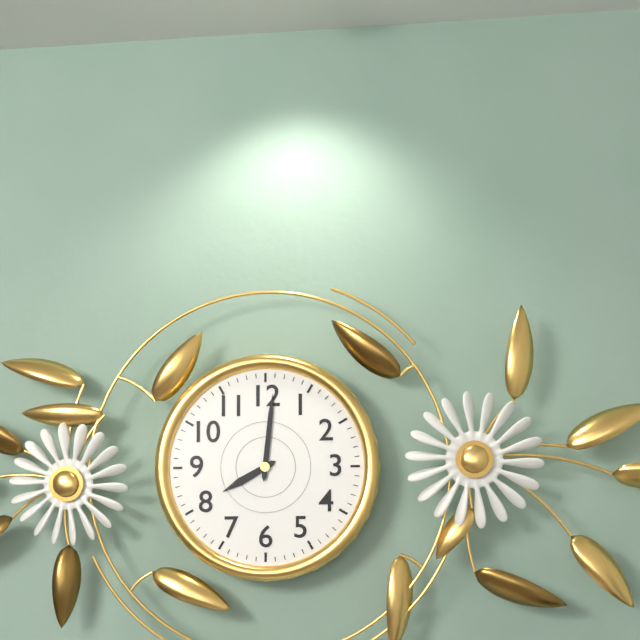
h=8 m=1
